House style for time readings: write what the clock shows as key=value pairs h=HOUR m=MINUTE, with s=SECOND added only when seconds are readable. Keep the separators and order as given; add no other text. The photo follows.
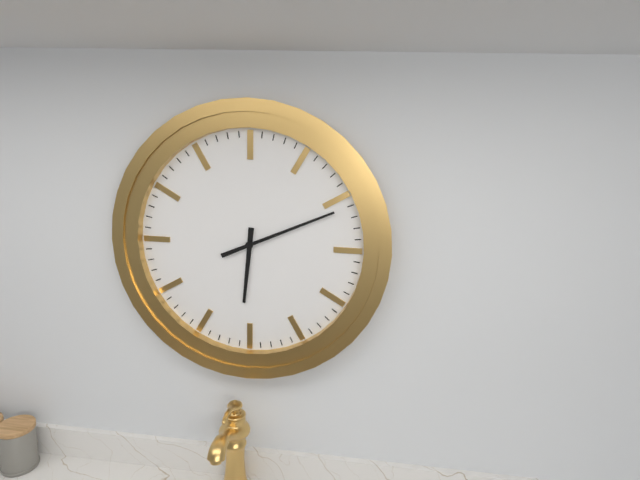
h=6 m=11
